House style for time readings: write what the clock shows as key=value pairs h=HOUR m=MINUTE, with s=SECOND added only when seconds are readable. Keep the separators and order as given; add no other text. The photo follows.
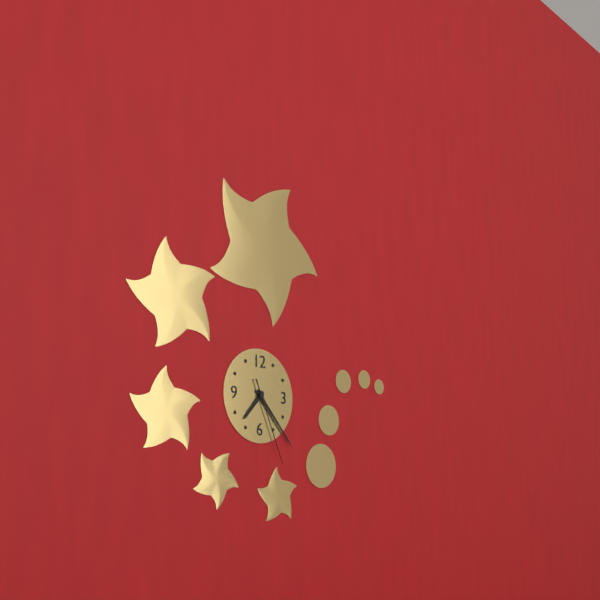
h=7 m=23 s=26
